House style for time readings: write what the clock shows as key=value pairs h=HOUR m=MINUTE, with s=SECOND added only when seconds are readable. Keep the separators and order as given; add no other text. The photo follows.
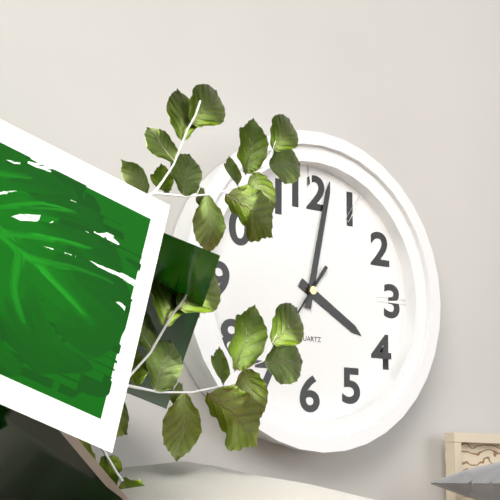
h=4 m=2 s=36
